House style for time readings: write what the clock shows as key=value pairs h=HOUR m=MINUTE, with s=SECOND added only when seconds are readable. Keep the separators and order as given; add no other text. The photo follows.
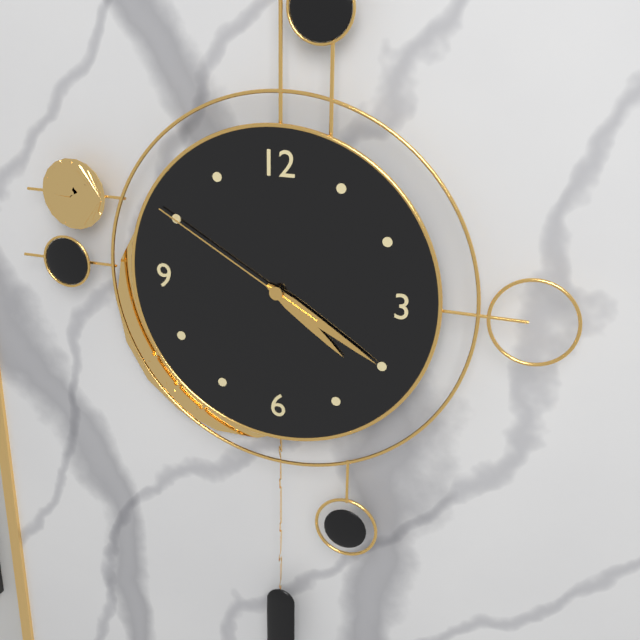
h=4 m=20 s=50
